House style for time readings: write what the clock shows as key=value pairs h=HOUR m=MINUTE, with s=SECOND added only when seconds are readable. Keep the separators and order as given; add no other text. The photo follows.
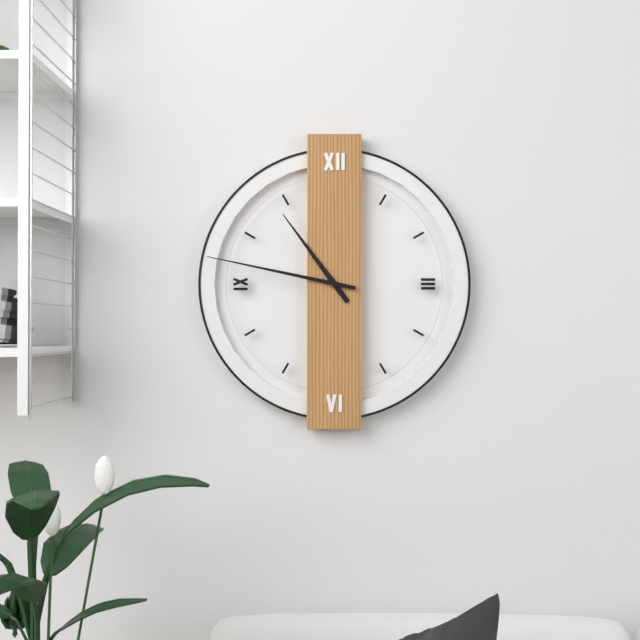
h=10 m=47
